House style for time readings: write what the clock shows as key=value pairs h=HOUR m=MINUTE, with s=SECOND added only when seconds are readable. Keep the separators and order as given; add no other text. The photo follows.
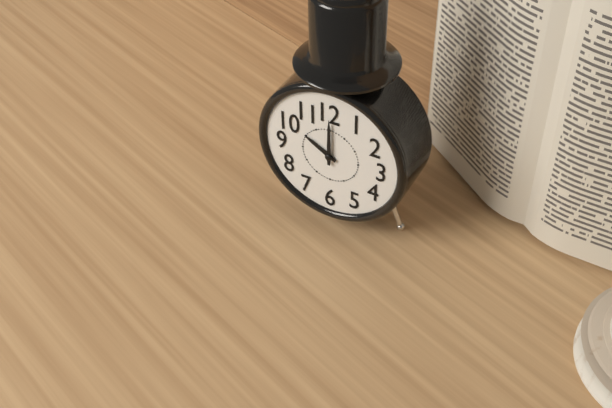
h=10 m=0
